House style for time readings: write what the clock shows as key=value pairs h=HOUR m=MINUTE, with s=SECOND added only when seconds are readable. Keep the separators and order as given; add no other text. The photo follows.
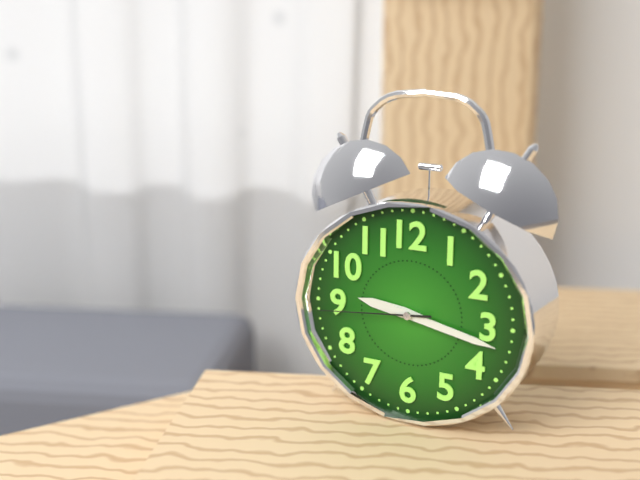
h=9 m=17 s=44
